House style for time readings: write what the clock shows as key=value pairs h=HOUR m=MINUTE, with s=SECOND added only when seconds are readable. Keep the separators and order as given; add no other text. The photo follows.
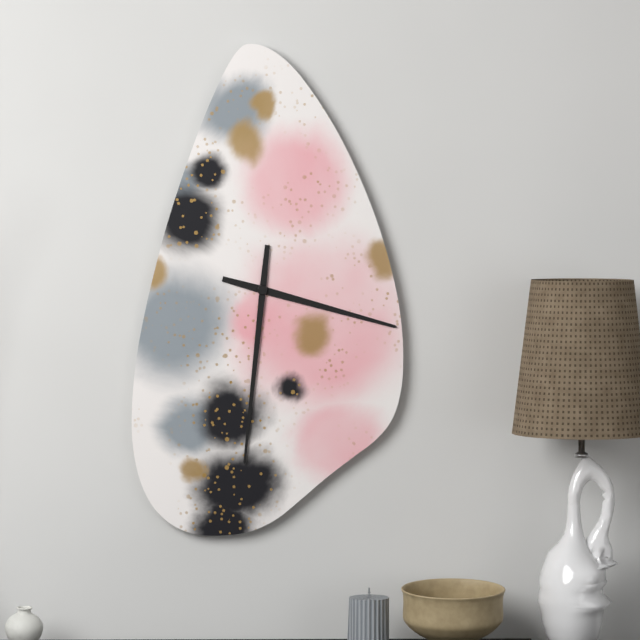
h=3 m=31
